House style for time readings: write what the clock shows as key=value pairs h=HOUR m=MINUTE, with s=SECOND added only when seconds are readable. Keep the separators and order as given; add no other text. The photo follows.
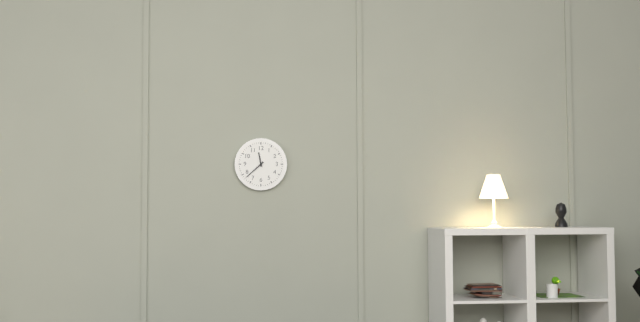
h=11 m=38
